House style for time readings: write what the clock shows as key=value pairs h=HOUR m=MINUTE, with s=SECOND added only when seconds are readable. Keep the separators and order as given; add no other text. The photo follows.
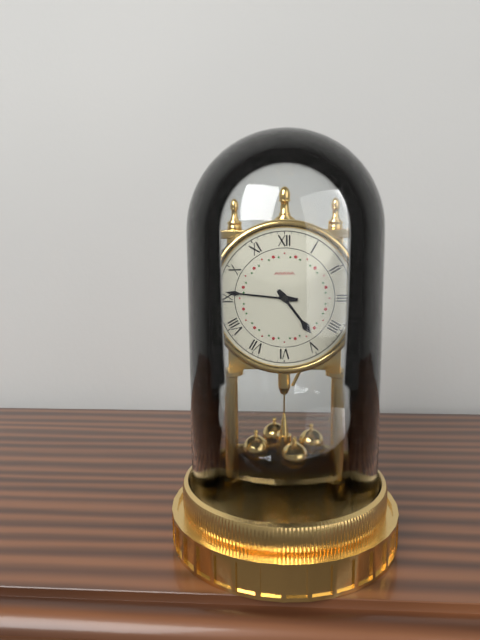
h=4 m=46
